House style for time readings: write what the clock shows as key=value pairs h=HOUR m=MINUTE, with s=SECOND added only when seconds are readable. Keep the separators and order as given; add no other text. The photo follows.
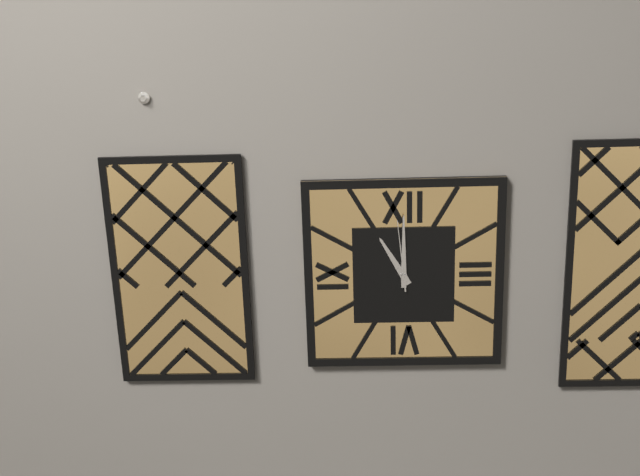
h=11 m=0 s=59
